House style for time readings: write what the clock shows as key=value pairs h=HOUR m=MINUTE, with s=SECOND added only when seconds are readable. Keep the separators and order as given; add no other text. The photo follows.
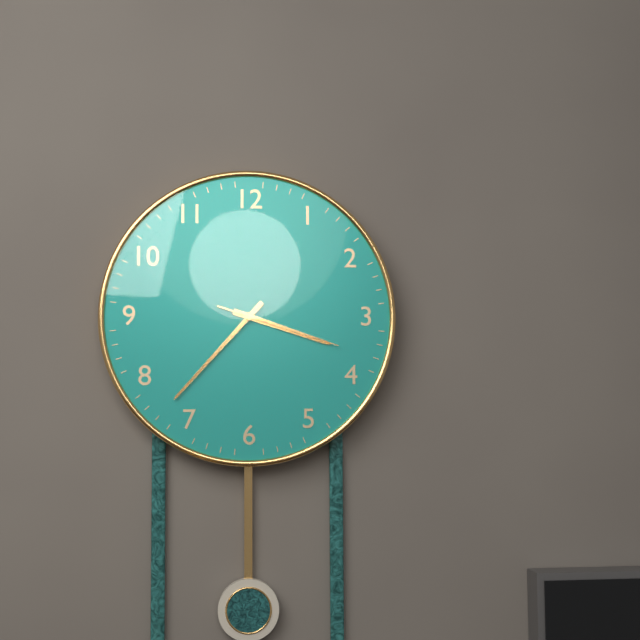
h=3 m=37 s=18
